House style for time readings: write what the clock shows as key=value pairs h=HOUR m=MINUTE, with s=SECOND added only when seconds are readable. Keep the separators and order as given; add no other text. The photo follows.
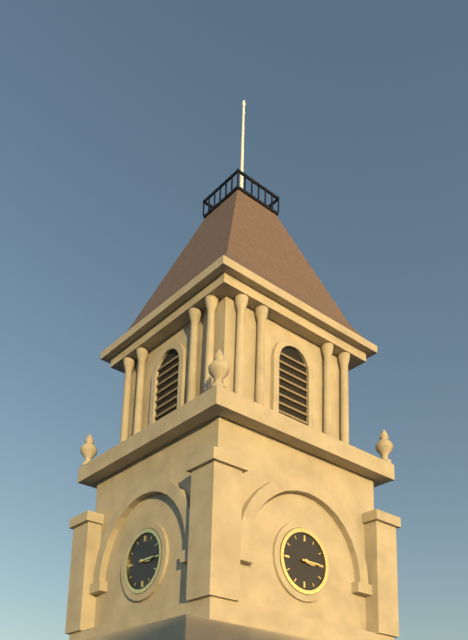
h=3 m=15
